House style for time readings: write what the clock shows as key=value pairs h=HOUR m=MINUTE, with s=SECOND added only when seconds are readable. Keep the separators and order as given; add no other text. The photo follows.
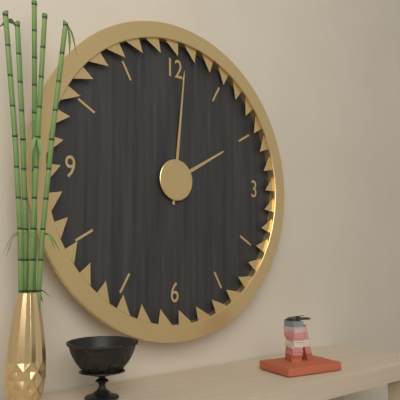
h=2 m=1
